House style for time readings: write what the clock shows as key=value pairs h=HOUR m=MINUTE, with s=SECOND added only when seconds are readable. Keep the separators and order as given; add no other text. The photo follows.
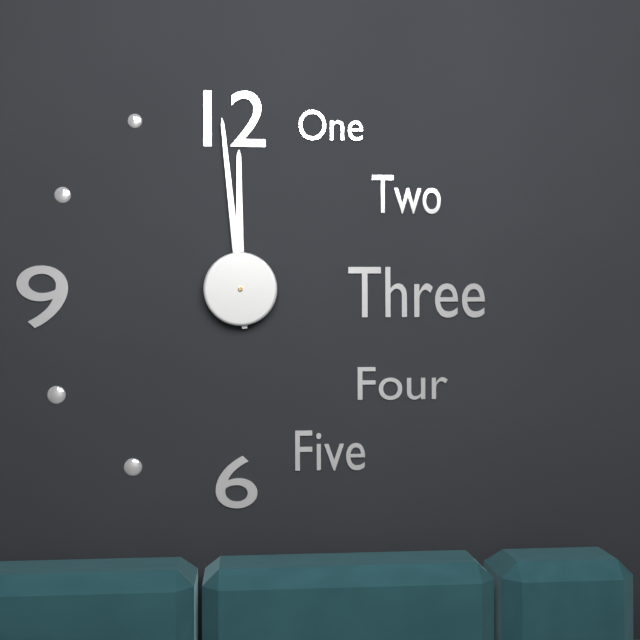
h=11 m=59
